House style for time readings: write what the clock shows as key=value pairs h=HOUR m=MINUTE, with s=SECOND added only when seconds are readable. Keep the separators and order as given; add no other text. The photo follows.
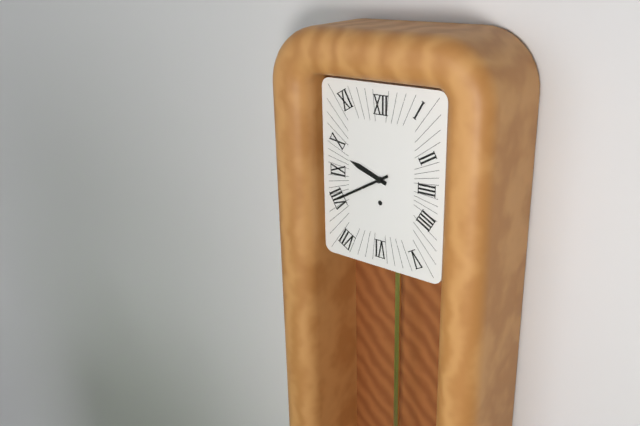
h=9 m=40
